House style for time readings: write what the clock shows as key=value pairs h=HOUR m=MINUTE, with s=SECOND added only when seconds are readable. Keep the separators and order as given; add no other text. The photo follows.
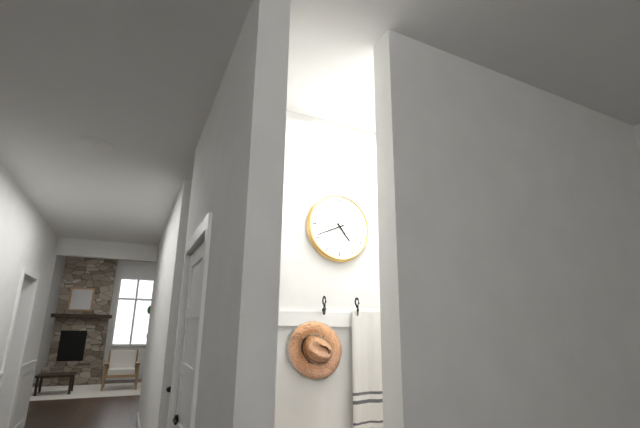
h=4 m=41
